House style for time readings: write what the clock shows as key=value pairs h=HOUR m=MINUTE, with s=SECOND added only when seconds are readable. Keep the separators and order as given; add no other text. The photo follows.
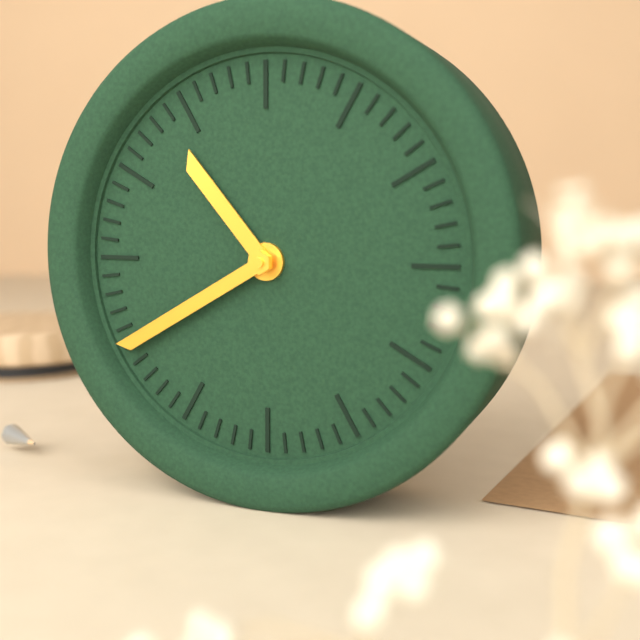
h=10 m=40
